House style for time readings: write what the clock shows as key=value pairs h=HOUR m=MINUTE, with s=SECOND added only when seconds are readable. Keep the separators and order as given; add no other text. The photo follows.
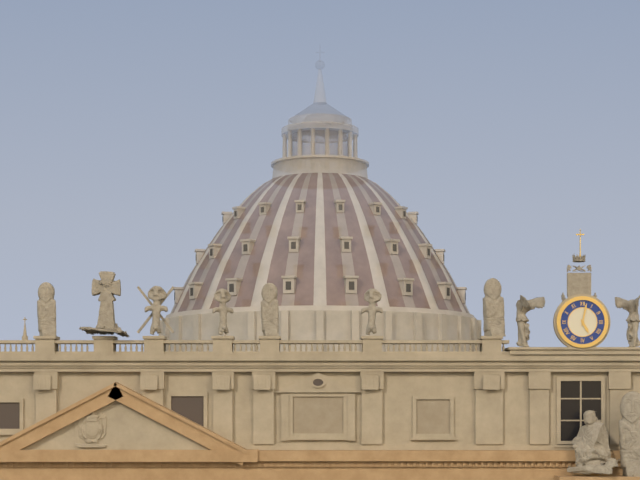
h=5 m=2
